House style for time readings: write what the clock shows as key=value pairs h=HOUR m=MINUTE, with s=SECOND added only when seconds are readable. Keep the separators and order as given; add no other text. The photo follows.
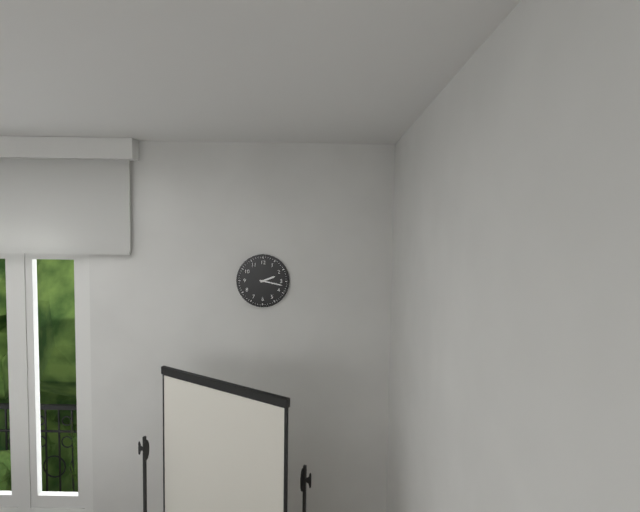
h=2 m=17
